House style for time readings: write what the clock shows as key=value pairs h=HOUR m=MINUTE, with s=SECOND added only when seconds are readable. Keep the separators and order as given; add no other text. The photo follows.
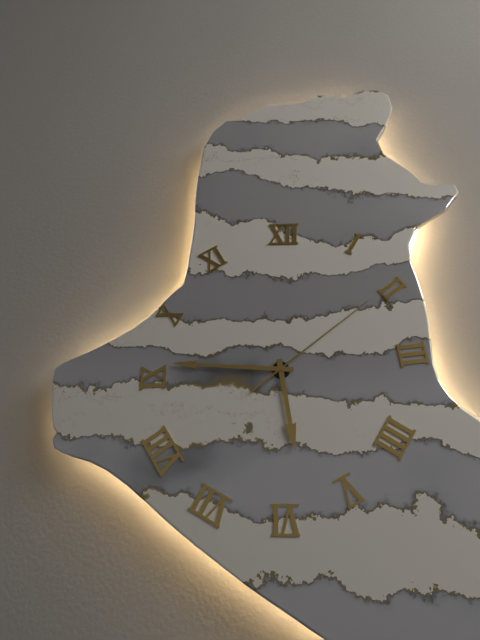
h=5 m=46 s=9
